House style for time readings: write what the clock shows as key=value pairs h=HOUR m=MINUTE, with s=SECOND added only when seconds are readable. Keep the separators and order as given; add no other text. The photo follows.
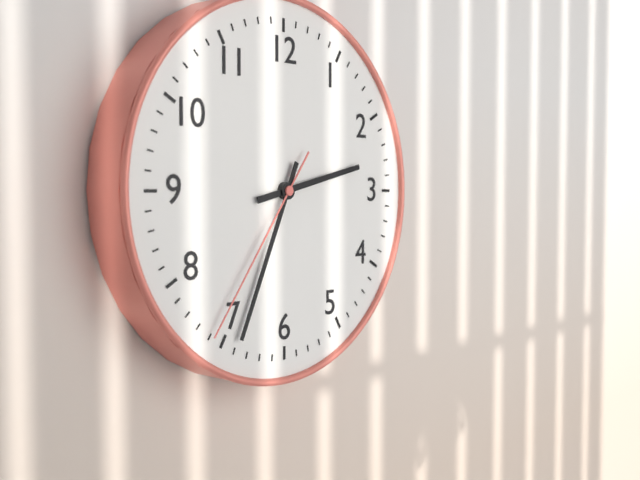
h=2 m=34 s=36
